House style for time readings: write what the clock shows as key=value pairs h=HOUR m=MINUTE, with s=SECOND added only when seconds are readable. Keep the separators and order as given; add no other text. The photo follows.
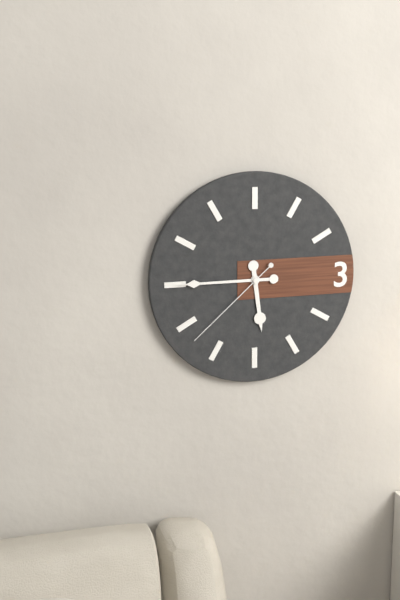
h=5 m=45 s=38
